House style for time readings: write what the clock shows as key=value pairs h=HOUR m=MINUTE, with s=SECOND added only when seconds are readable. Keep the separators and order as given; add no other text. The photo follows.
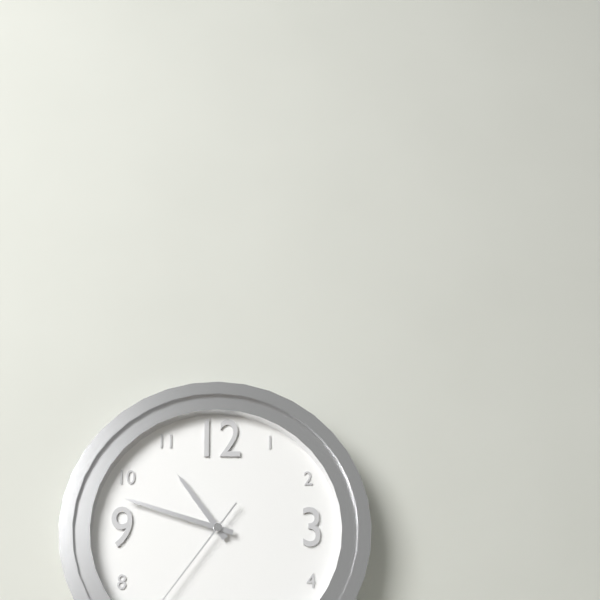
h=10 m=48
